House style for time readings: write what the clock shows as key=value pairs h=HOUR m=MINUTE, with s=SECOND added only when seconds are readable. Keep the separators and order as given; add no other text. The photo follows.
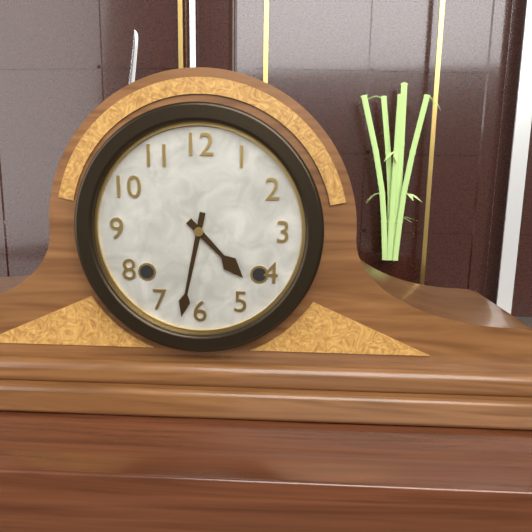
h=4 m=32
